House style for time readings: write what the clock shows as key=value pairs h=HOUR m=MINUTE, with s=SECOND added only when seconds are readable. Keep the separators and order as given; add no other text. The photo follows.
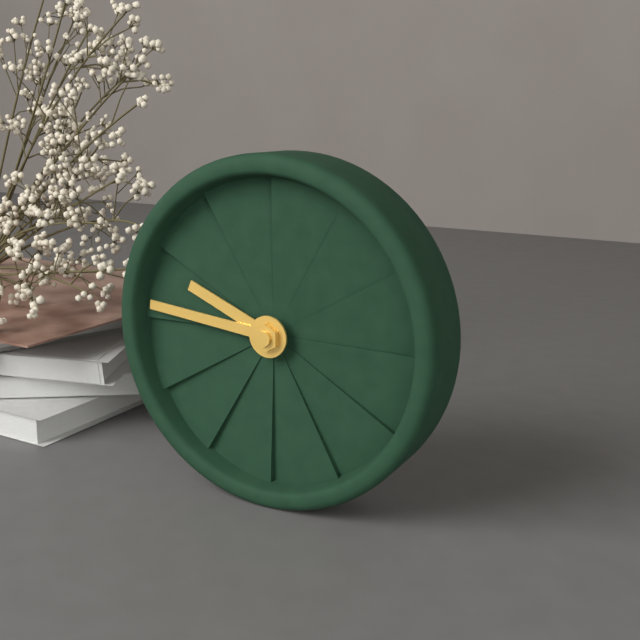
h=9 m=46
